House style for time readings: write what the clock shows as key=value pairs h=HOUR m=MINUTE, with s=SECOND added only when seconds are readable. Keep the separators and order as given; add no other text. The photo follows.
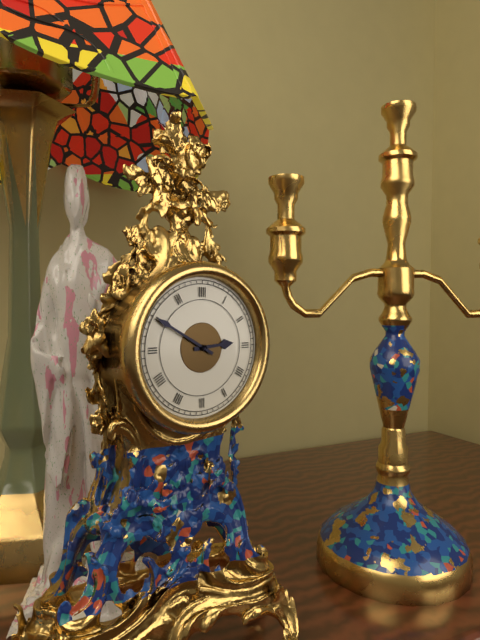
h=2 m=50
